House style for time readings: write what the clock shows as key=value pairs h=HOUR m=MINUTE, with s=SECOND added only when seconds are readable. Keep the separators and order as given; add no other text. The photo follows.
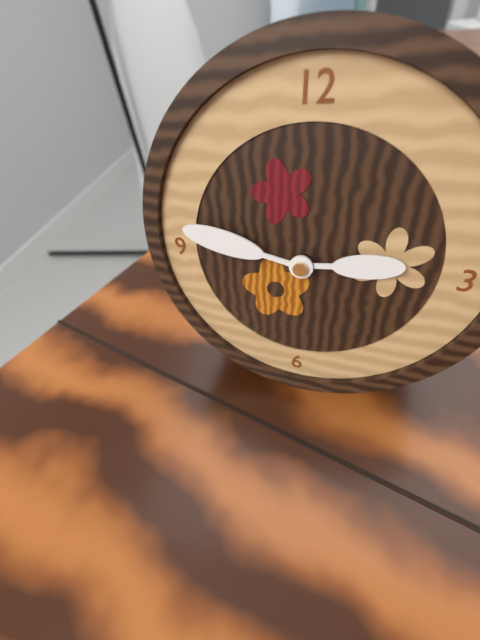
h=2 m=47
